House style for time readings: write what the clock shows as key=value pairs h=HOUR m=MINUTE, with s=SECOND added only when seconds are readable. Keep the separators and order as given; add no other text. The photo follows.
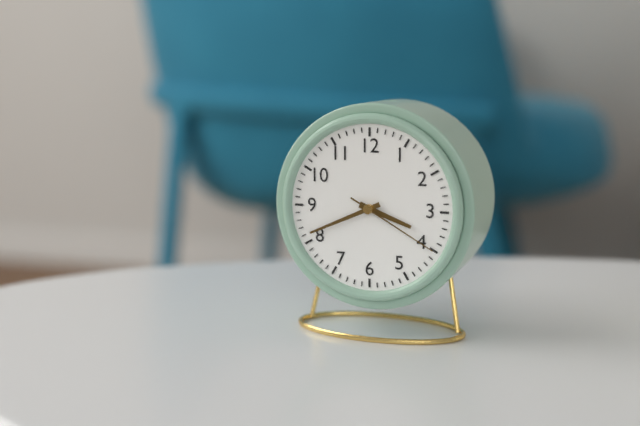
h=3 m=41 s=20
